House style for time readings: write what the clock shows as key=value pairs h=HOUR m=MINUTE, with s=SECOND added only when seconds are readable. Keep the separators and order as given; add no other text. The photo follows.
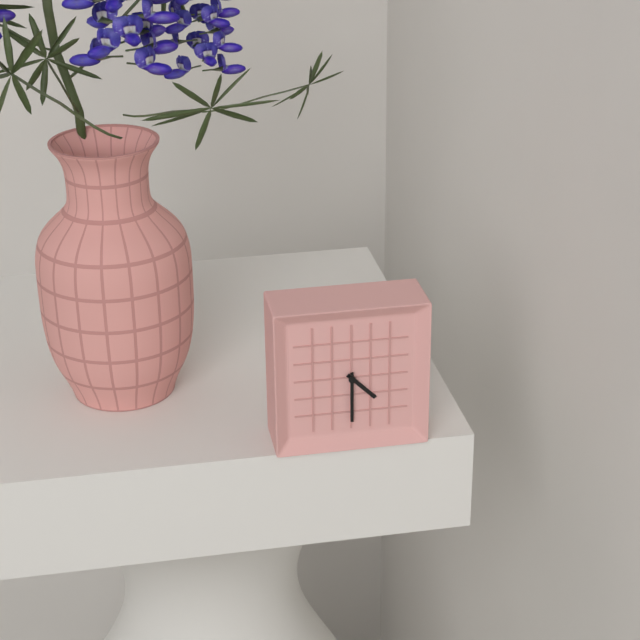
h=4 m=30
